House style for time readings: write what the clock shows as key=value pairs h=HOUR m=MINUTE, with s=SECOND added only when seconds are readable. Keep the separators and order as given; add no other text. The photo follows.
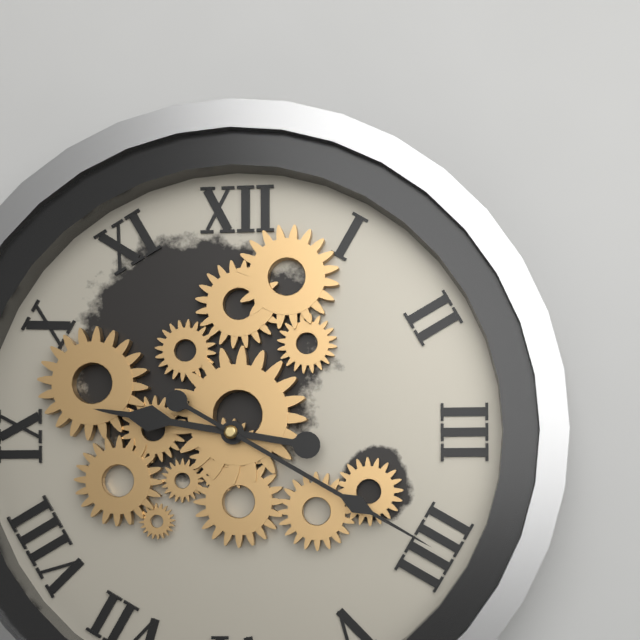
h=9 m=20
